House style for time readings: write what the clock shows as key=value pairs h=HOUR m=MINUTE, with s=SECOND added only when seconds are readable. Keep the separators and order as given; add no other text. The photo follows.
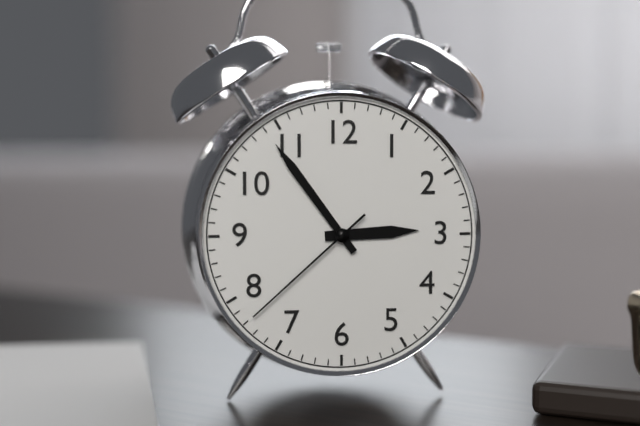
h=2 m=54 s=38
